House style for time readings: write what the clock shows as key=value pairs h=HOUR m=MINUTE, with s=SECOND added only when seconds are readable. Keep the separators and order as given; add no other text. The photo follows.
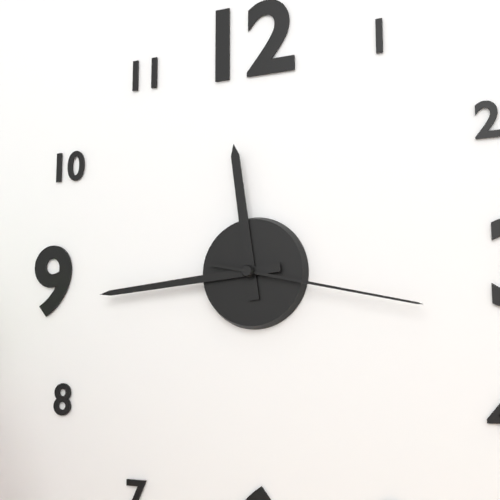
h=11 m=44 s=17
